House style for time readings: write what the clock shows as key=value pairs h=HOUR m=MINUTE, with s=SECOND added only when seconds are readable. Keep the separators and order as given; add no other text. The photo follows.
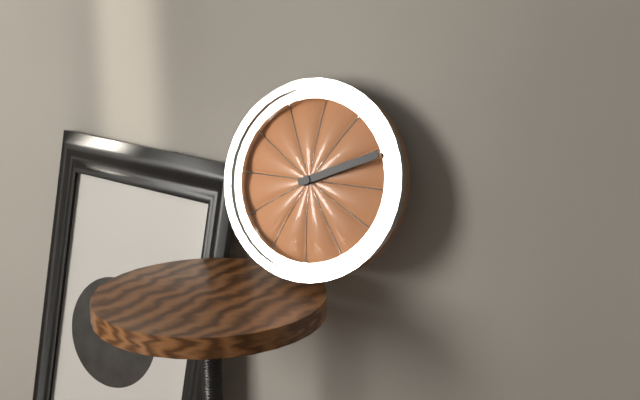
h=2 m=11
